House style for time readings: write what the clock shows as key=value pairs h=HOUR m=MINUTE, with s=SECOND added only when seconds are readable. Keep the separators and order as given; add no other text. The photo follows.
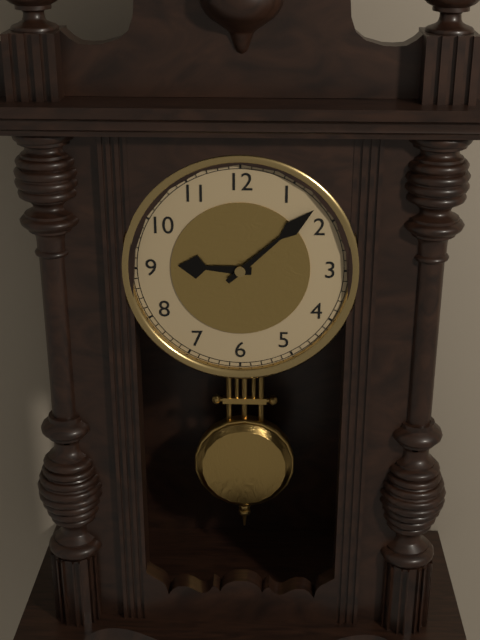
h=9 m=8
